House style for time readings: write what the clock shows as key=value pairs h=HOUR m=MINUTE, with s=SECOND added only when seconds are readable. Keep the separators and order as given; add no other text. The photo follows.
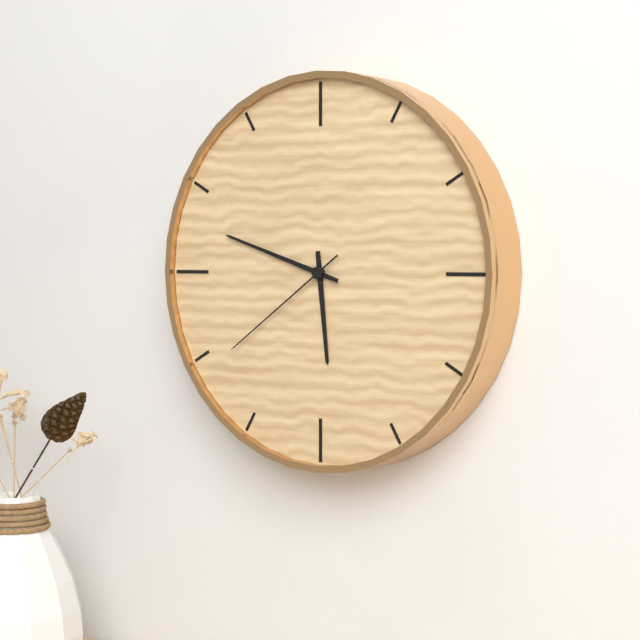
h=5 m=48 s=39
